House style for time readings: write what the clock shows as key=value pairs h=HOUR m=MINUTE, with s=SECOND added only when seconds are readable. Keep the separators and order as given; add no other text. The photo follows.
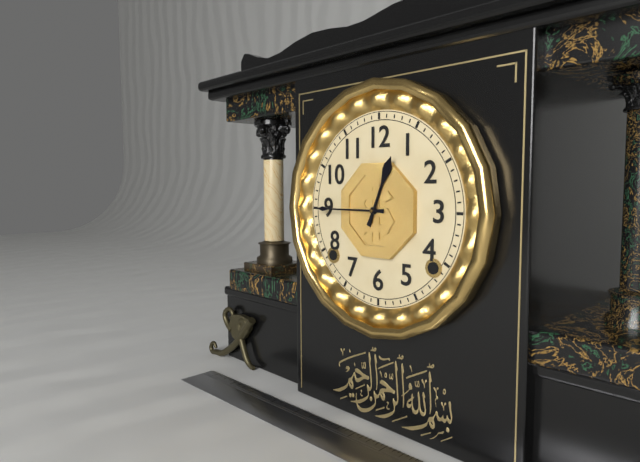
h=12 m=45
